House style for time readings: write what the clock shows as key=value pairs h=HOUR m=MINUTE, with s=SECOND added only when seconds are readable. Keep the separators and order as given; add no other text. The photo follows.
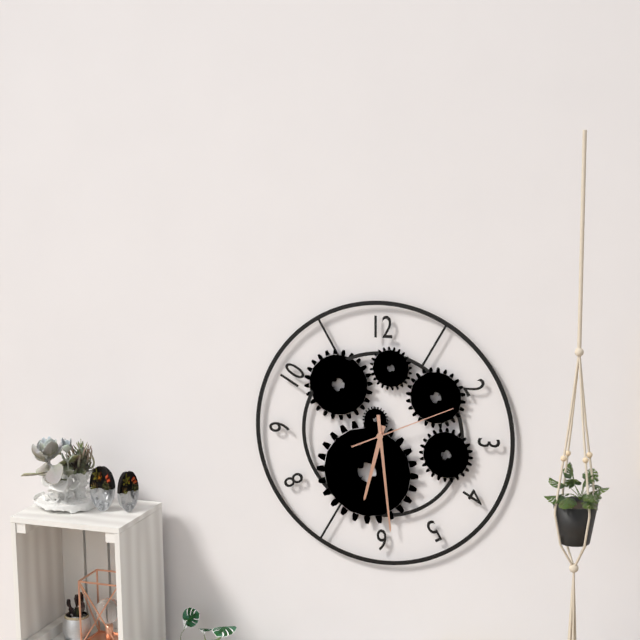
h=6 m=29 s=11
